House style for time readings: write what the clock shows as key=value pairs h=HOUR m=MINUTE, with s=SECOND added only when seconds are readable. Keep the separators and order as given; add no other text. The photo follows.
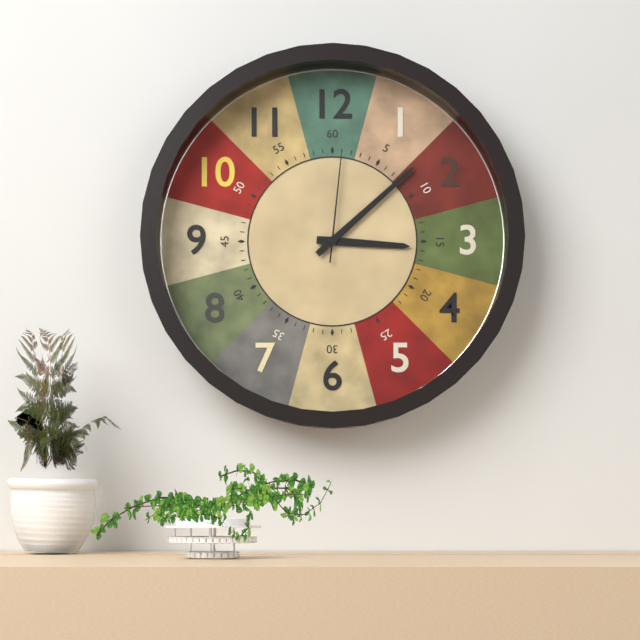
h=3 m=8 s=1
